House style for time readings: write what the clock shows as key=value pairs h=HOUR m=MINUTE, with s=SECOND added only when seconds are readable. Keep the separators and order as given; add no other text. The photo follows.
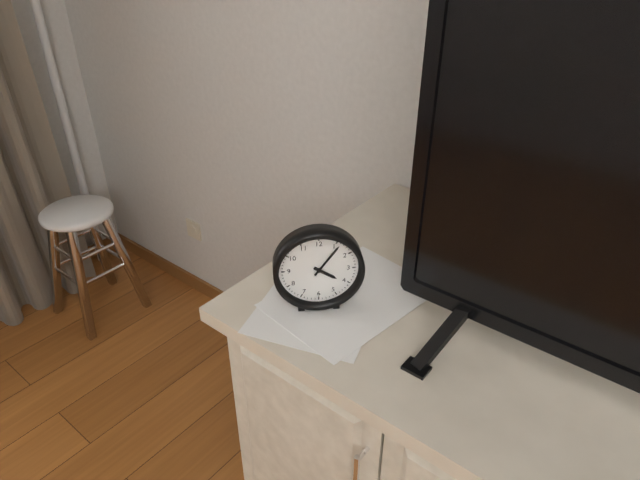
h=4 m=6
